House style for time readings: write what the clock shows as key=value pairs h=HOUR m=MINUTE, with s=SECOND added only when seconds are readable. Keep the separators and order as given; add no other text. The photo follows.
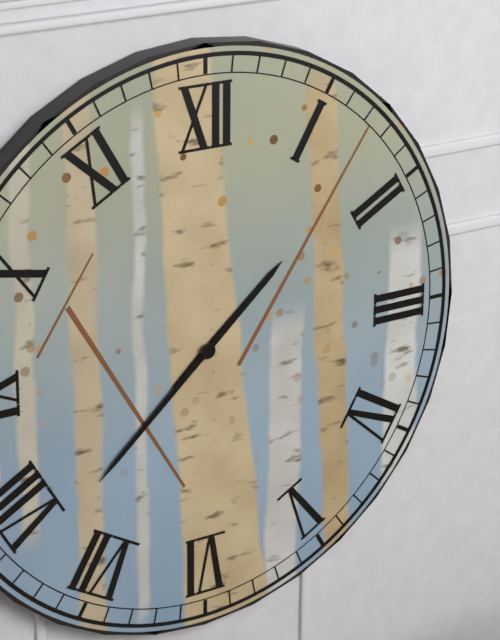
h=1 m=38
